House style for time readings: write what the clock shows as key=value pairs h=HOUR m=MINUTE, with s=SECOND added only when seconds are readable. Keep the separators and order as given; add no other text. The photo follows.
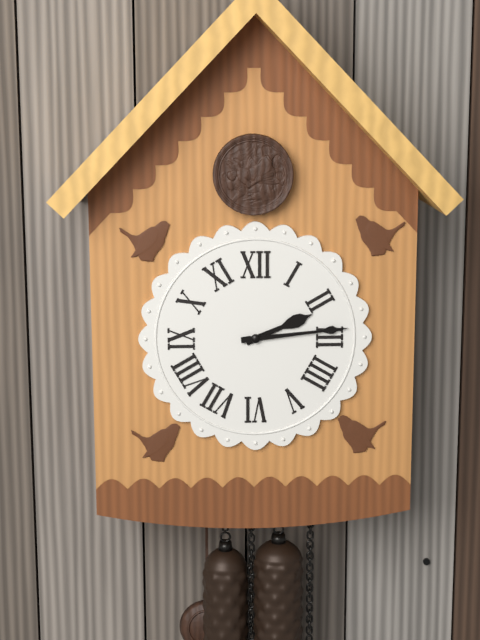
h=2 m=14
